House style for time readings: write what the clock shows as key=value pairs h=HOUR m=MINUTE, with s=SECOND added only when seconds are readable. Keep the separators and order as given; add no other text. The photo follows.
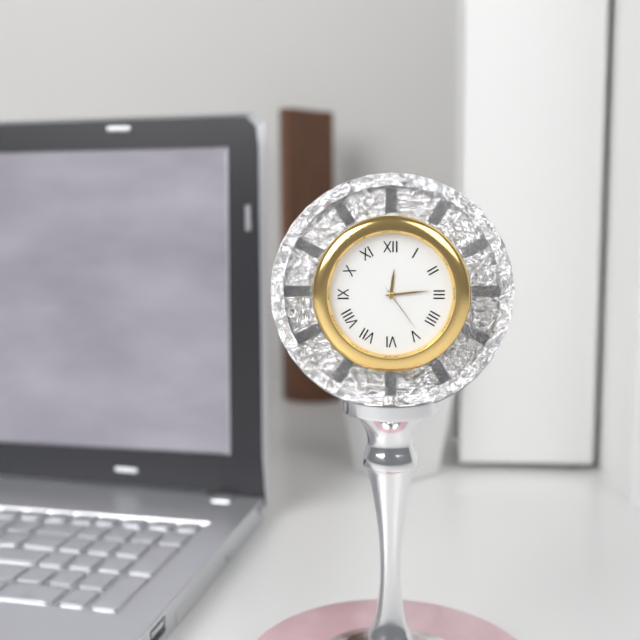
h=12 m=14 s=24
